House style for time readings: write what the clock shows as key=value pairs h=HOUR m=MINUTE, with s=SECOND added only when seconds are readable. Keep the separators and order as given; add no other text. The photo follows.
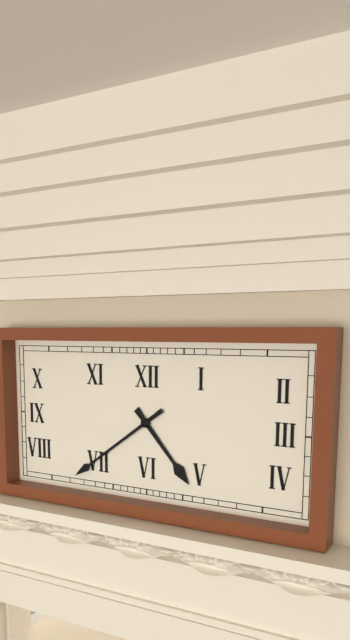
h=4 m=39
